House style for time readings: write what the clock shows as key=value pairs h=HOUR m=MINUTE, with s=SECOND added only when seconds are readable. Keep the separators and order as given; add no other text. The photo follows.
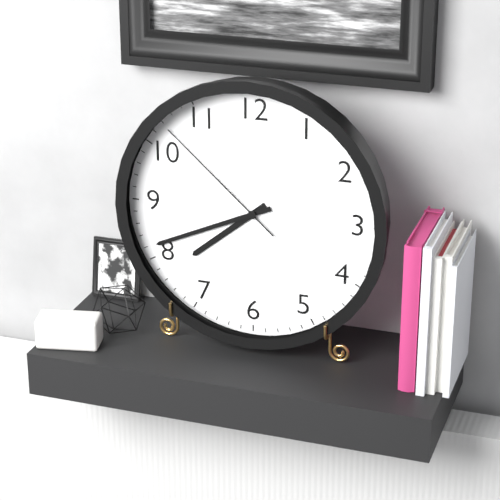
h=7 m=41 s=52
